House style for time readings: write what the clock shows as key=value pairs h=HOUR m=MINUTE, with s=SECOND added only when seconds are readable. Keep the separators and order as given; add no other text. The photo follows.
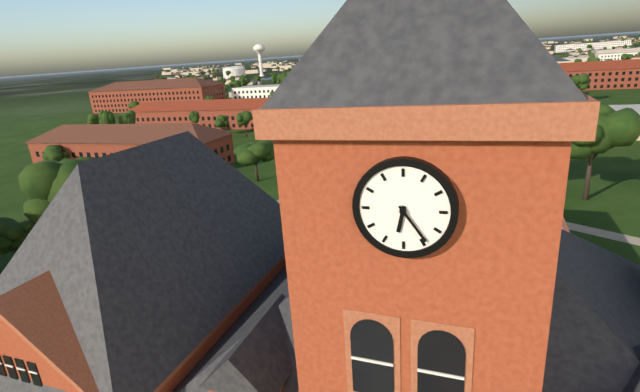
h=6 m=24
